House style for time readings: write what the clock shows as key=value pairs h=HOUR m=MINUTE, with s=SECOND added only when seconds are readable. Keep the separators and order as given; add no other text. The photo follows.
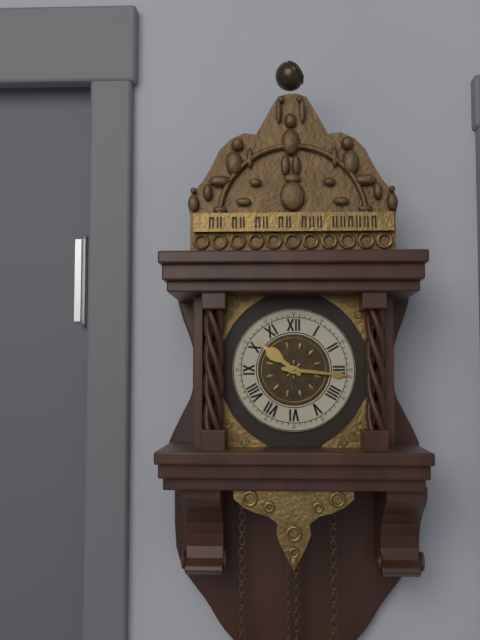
h=10 m=16
